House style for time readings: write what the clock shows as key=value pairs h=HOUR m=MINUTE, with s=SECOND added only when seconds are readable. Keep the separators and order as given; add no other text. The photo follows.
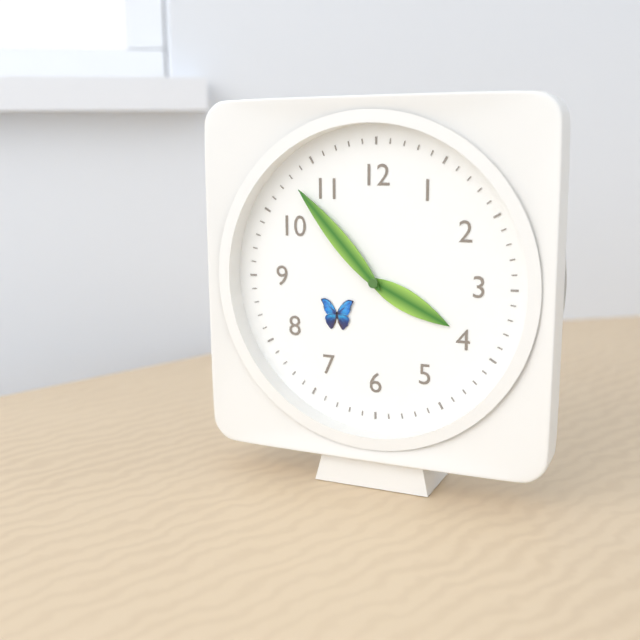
h=3 m=53
